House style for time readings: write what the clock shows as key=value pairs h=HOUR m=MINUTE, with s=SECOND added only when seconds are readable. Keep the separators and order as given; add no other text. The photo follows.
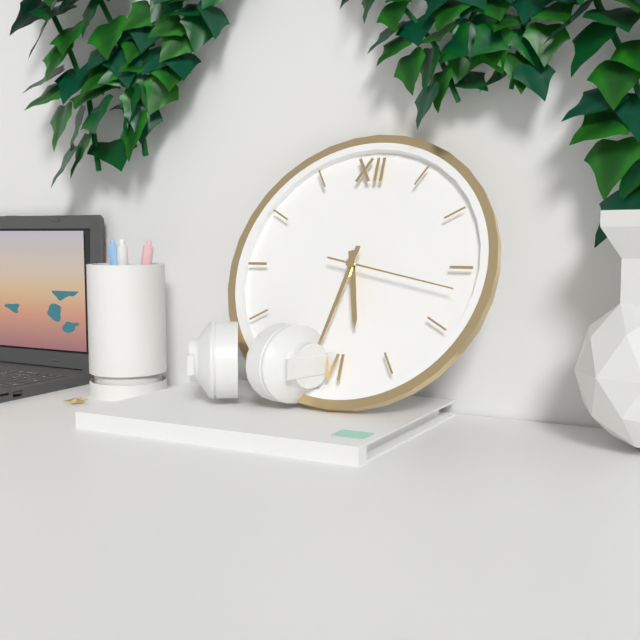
h=5 m=32 s=17
